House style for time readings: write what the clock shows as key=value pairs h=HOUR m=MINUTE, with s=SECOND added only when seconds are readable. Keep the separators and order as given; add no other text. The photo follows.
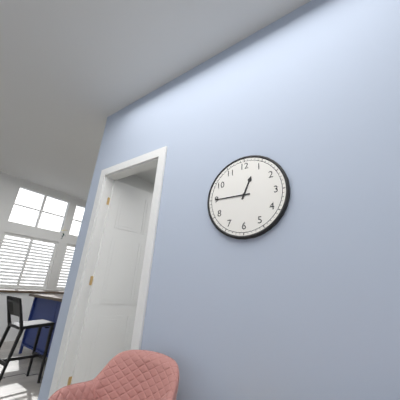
h=12 m=45
